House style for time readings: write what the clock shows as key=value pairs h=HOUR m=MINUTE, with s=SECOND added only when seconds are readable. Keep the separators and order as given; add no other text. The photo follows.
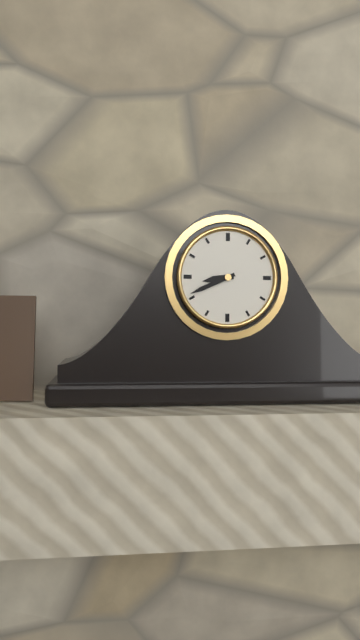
h=8 m=41
